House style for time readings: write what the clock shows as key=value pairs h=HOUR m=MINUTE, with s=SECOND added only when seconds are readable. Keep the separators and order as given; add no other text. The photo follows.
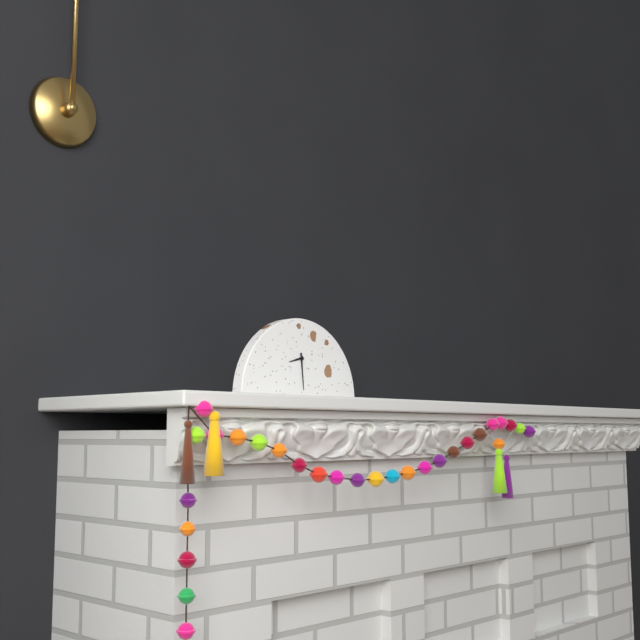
h=8 m=29
